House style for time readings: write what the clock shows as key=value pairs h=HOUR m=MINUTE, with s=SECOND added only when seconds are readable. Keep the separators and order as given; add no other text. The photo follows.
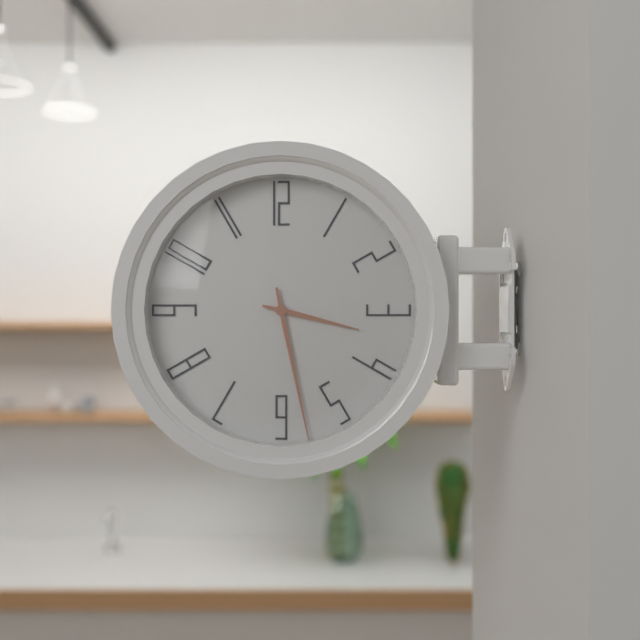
h=3 m=28
